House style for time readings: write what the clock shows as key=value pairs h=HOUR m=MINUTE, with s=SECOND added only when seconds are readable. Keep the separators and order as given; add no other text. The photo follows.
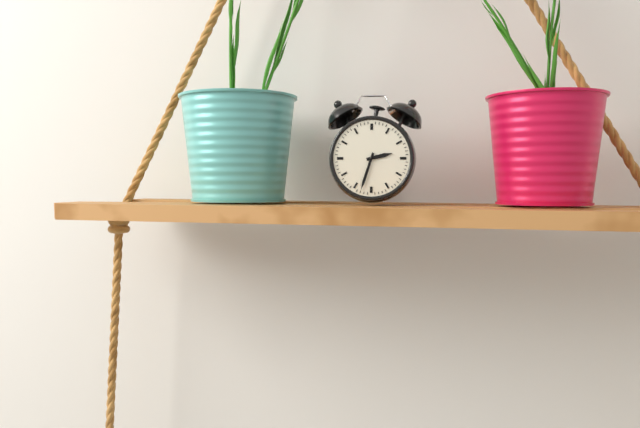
h=2 m=33
